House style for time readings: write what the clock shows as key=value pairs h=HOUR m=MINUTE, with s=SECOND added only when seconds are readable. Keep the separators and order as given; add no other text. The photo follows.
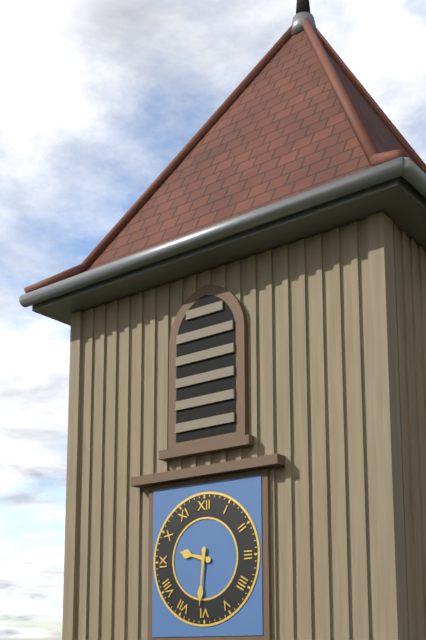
h=9 m=31
